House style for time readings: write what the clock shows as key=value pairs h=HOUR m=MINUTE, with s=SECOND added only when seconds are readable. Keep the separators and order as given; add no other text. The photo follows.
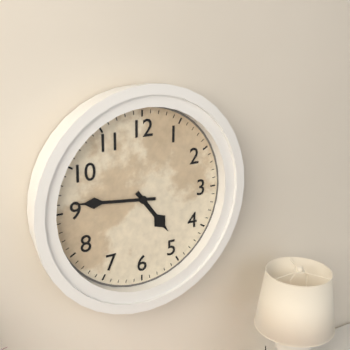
h=4 m=46
